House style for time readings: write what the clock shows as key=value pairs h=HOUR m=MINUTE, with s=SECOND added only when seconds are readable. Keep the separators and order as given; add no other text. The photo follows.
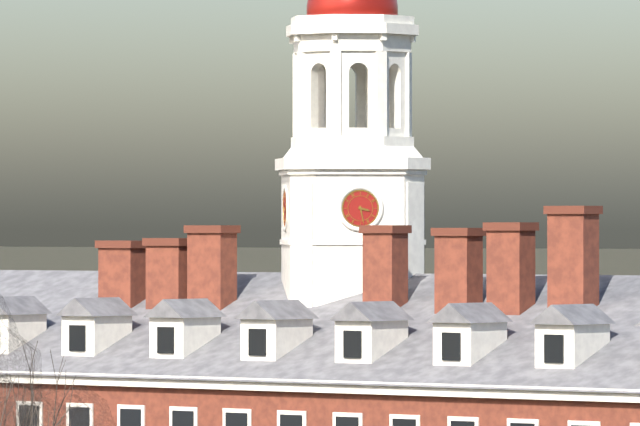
h=3 m=28
